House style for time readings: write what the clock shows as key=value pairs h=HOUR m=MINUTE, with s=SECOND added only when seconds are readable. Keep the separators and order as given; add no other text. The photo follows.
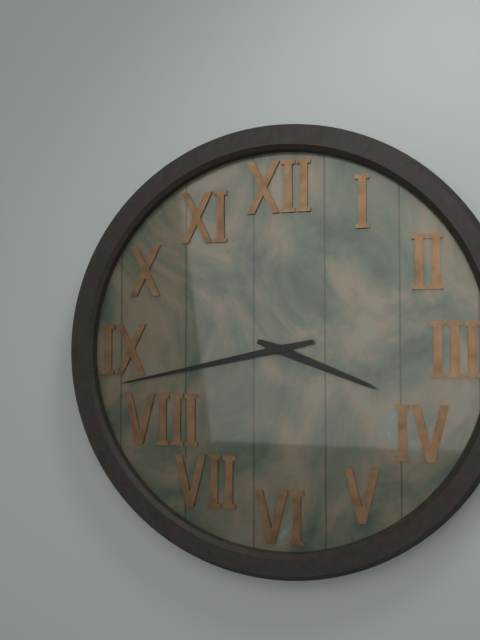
h=3 m=43
